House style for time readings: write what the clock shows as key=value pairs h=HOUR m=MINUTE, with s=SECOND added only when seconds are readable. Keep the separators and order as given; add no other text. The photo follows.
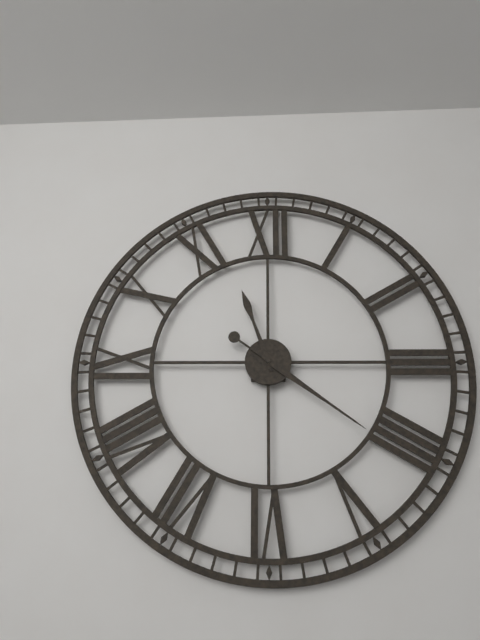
h=11 m=21
